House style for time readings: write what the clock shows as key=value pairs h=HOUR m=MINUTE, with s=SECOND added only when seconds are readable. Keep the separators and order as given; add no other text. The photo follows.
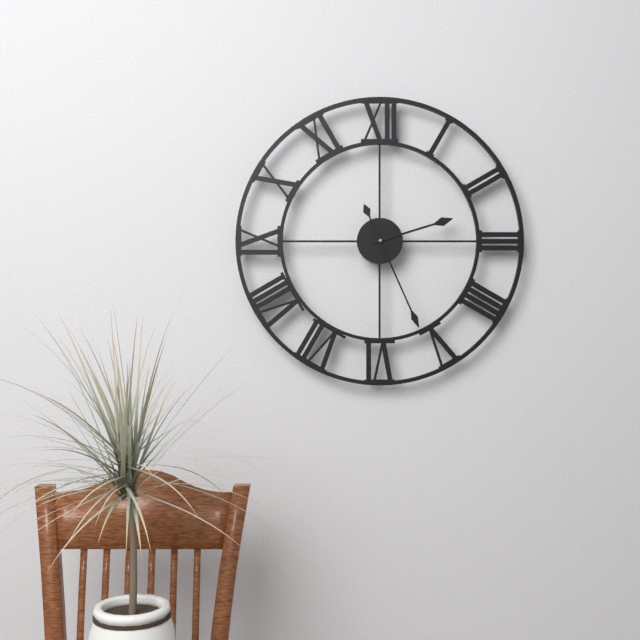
h=2 m=26
